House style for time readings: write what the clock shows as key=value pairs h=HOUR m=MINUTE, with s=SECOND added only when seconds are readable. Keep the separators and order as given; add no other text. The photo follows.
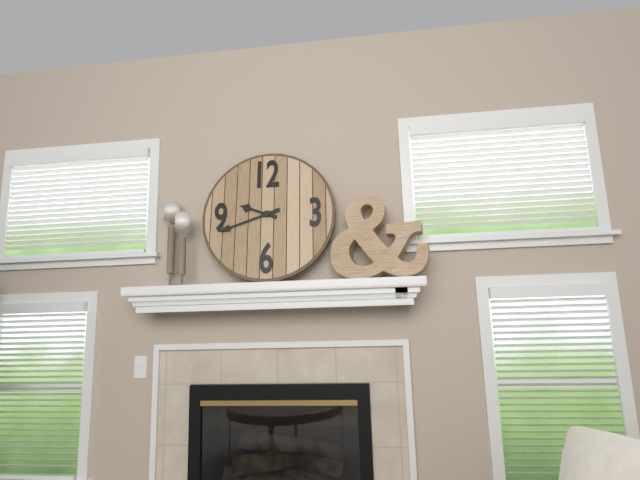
h=9 m=42
